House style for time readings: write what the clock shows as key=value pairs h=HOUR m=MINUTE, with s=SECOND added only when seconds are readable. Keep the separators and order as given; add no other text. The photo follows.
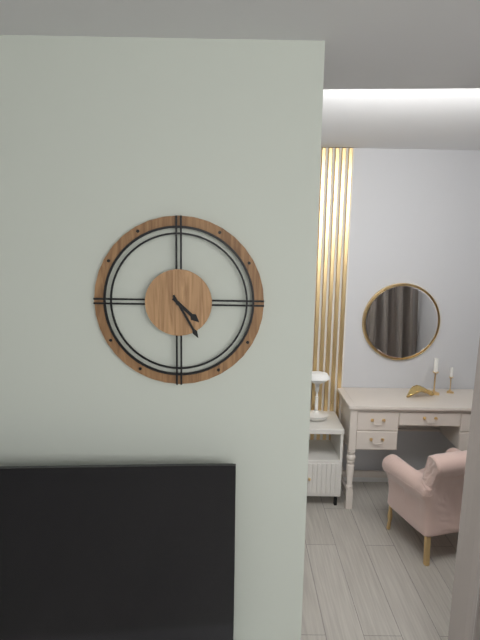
h=4 m=25
